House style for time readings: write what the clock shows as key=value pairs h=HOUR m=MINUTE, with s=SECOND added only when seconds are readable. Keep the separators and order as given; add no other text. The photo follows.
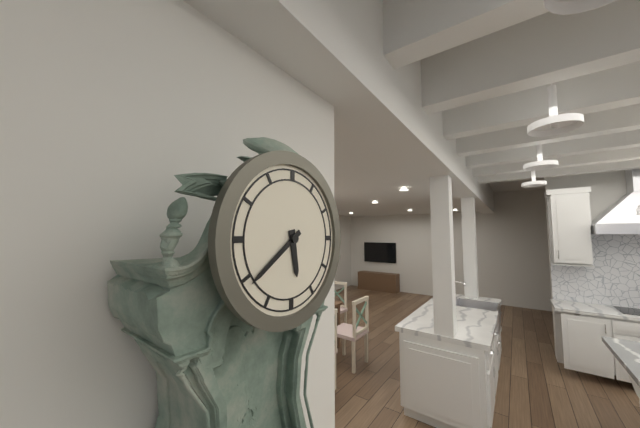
h=5 m=39
